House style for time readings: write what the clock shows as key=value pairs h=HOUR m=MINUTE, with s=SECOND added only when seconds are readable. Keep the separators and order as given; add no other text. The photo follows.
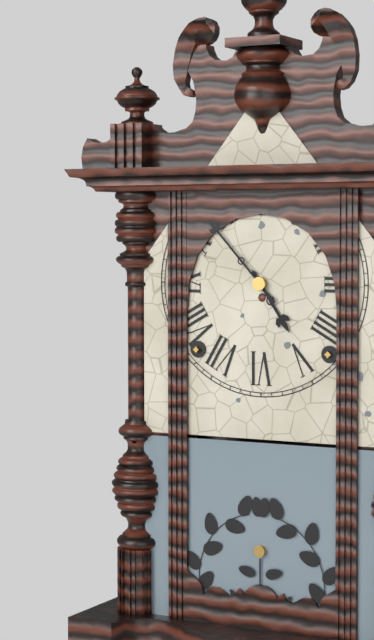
h=4 m=53
